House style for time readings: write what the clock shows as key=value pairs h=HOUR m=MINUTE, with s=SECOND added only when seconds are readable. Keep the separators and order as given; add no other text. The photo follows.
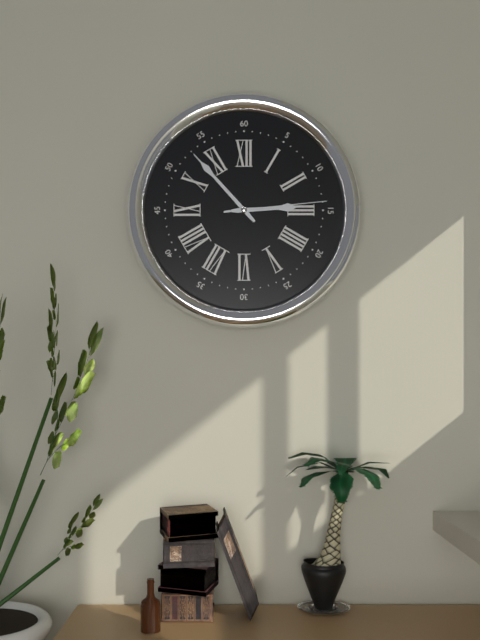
h=2 m=53 s=14
